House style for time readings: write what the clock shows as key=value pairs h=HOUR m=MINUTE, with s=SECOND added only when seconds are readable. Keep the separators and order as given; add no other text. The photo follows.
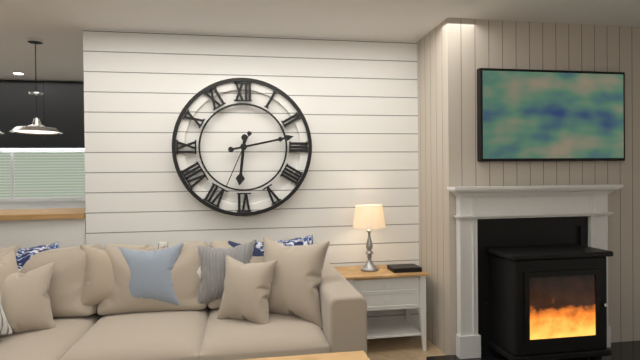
h=6 m=13 s=34
